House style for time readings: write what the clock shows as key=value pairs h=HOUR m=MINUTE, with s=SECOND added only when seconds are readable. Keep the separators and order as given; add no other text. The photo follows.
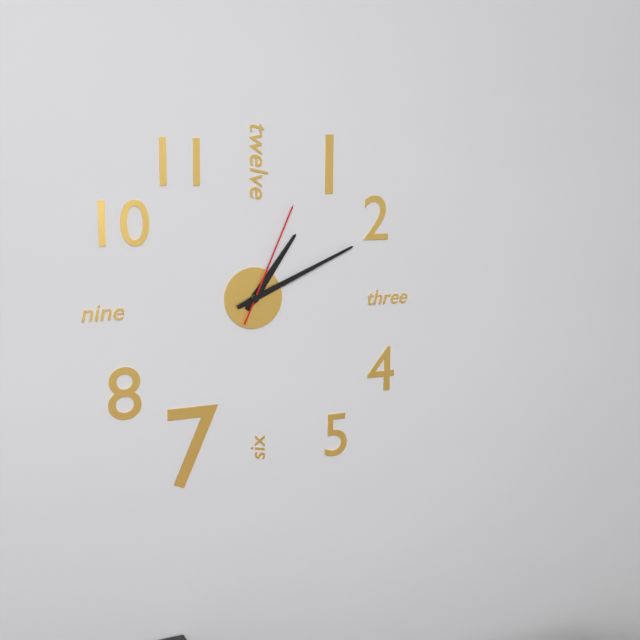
h=1 m=11 s=4
